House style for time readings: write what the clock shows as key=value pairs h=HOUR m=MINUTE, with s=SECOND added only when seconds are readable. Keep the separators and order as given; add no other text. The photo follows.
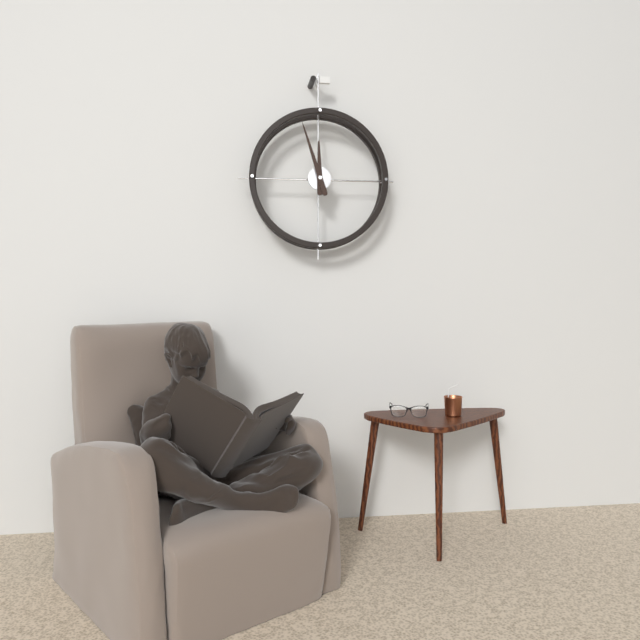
h=11 m=57
